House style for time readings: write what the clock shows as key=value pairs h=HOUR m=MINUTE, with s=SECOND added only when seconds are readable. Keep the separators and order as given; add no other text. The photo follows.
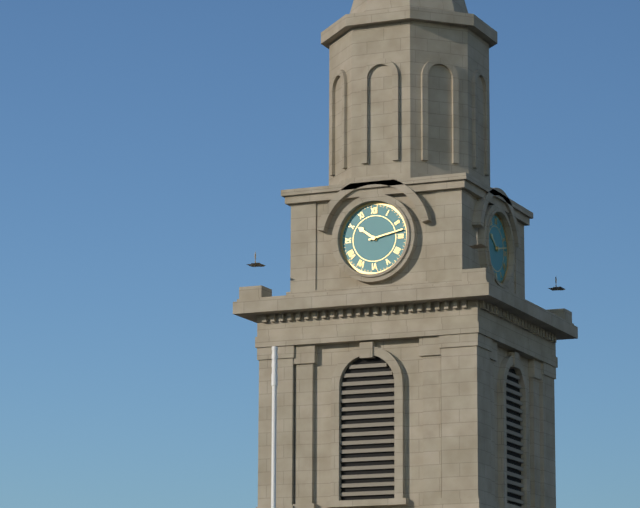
h=10 m=13
